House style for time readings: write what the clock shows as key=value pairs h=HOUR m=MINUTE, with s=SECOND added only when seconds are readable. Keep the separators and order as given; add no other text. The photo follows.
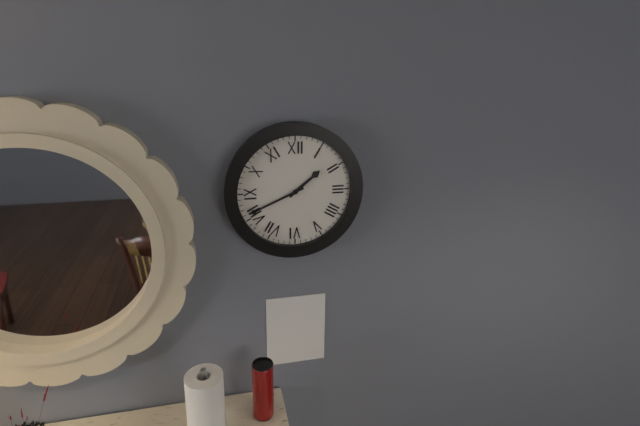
h=1 m=41
